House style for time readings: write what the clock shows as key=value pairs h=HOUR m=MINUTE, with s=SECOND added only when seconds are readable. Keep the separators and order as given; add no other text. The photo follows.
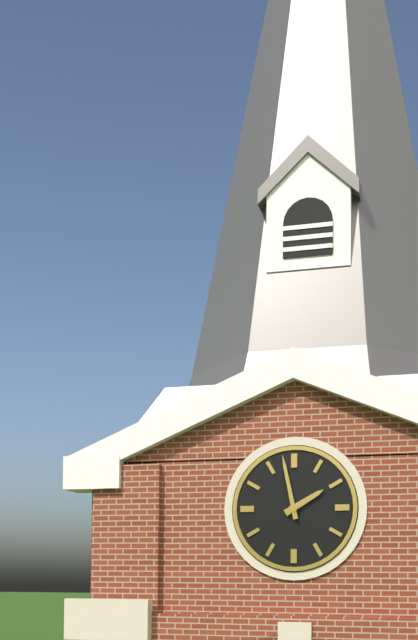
h=1 m=58
